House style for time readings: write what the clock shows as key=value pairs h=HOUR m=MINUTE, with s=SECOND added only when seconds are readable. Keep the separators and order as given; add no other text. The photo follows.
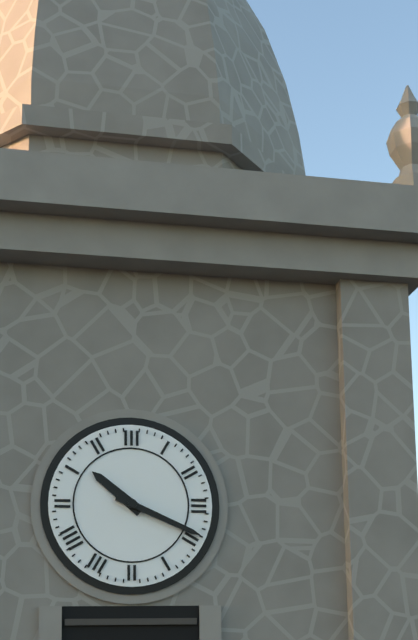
h=10 m=19
